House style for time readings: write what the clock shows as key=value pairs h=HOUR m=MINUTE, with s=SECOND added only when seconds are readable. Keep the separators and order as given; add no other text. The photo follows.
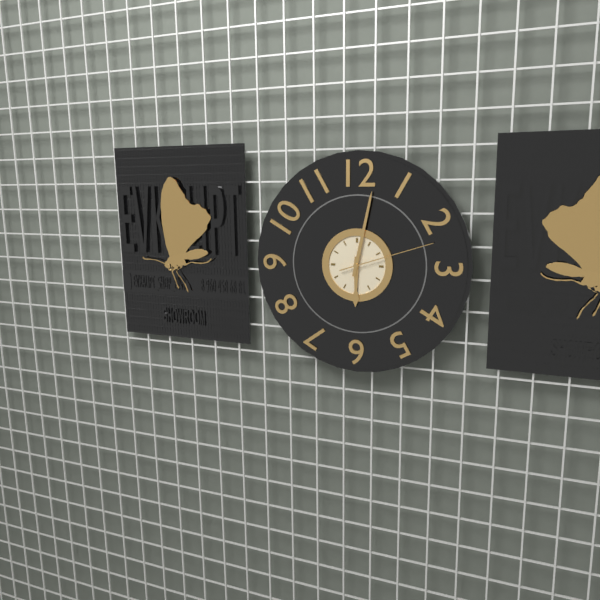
h=6 m=2 s=12
